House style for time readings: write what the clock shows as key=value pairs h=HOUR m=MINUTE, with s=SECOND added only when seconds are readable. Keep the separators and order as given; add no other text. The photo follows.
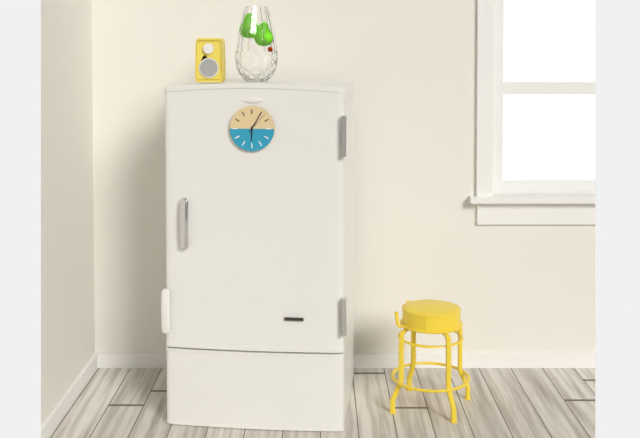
h=6 m=5
